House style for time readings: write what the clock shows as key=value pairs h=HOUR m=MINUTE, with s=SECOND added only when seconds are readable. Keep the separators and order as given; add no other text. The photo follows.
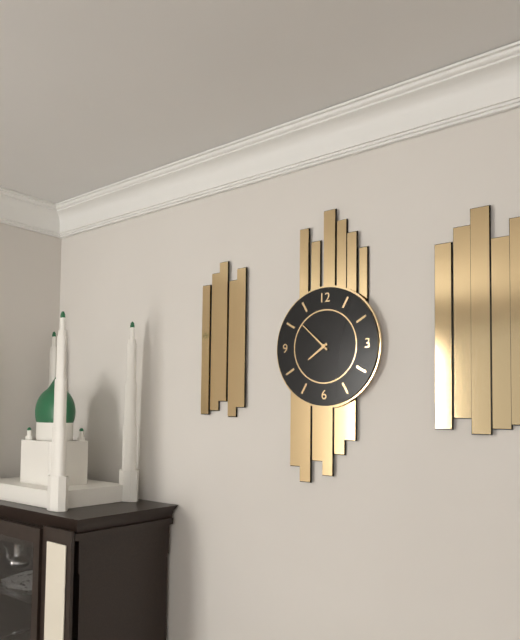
h=7 m=52
